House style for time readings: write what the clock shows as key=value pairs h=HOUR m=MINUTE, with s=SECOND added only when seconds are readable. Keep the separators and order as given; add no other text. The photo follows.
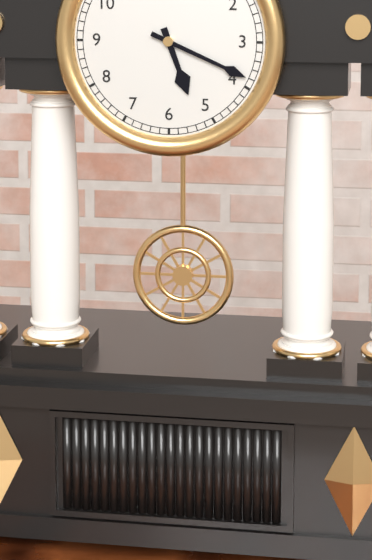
h=5 m=19
